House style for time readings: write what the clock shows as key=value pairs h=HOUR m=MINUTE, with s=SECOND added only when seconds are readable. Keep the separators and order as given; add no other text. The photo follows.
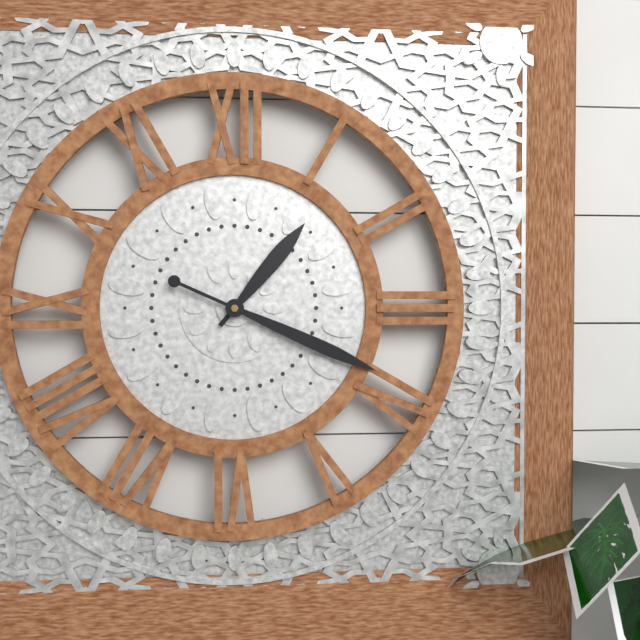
h=1 m=19
